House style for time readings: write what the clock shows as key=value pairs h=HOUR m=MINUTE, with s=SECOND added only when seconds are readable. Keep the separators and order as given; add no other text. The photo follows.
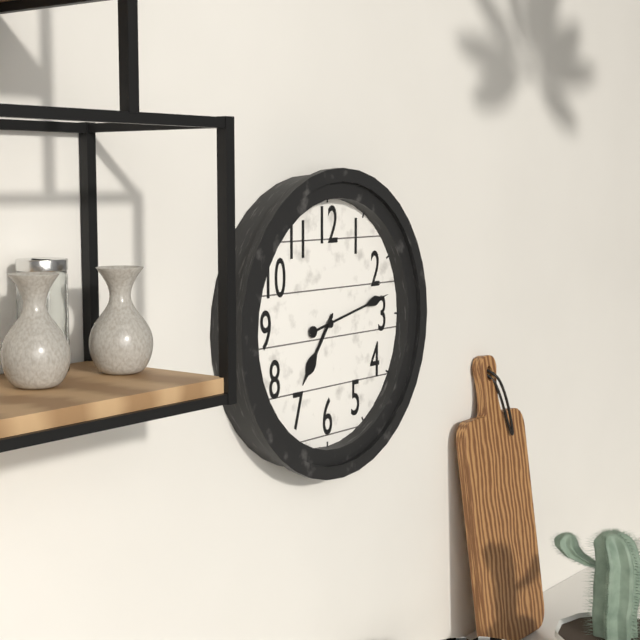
h=7 m=13
